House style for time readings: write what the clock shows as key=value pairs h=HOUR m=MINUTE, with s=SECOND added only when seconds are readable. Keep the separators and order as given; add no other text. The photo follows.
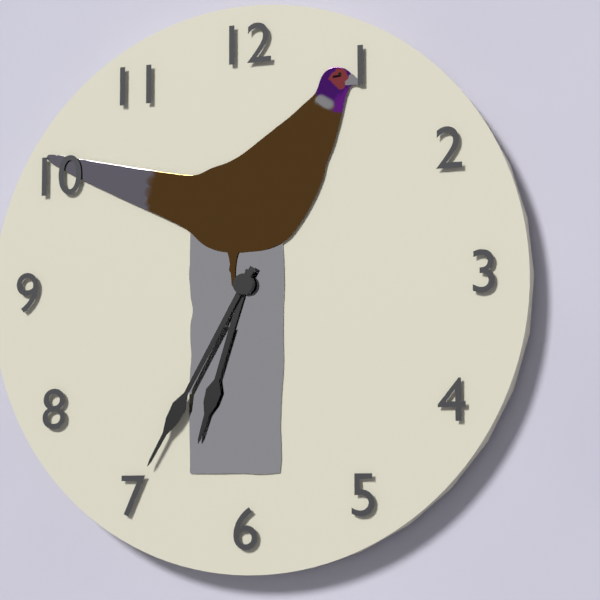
h=6 m=35
